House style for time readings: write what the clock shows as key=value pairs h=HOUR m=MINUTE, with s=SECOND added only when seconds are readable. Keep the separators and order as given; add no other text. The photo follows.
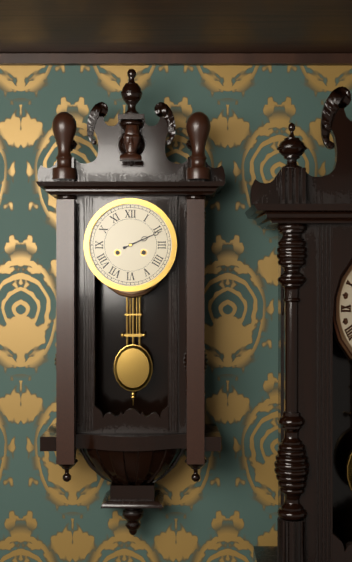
h=2 m=11
